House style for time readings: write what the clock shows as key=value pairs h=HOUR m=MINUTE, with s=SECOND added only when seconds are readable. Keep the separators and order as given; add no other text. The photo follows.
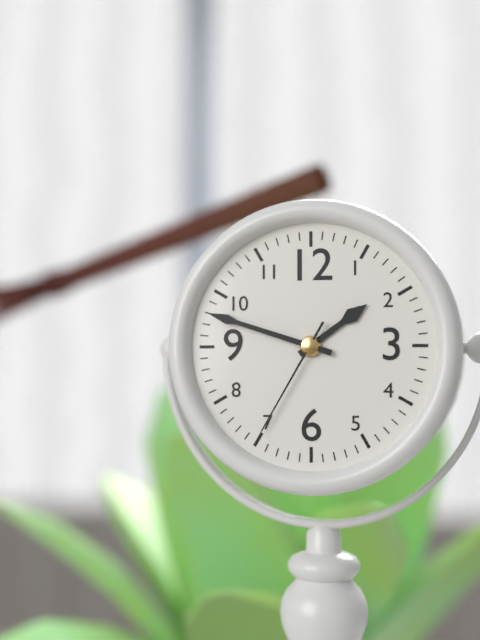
h=1 m=48 s=35
